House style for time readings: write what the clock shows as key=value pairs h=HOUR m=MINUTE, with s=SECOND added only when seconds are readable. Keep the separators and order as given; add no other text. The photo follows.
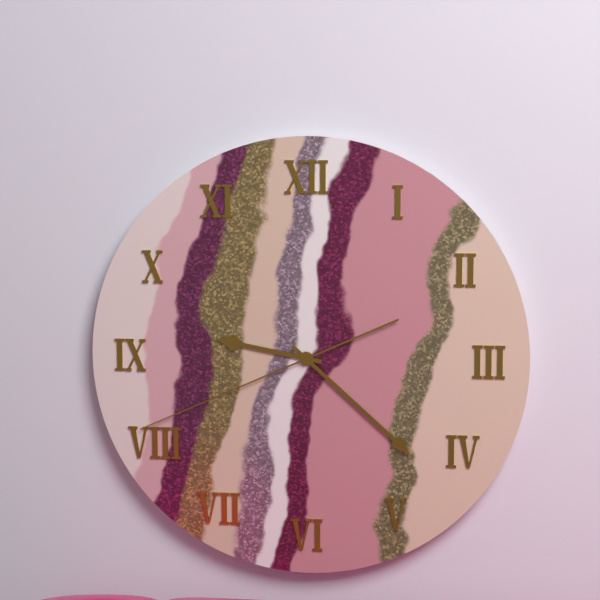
h=9 m=22 s=41
